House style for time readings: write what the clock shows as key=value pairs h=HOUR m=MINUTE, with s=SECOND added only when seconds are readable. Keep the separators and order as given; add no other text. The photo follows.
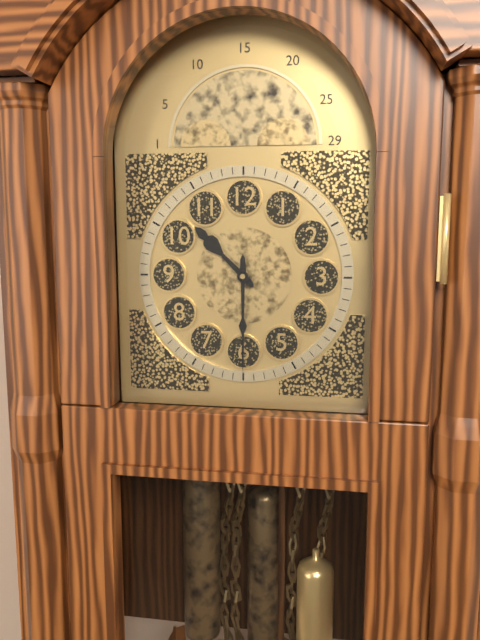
h=10 m=30
